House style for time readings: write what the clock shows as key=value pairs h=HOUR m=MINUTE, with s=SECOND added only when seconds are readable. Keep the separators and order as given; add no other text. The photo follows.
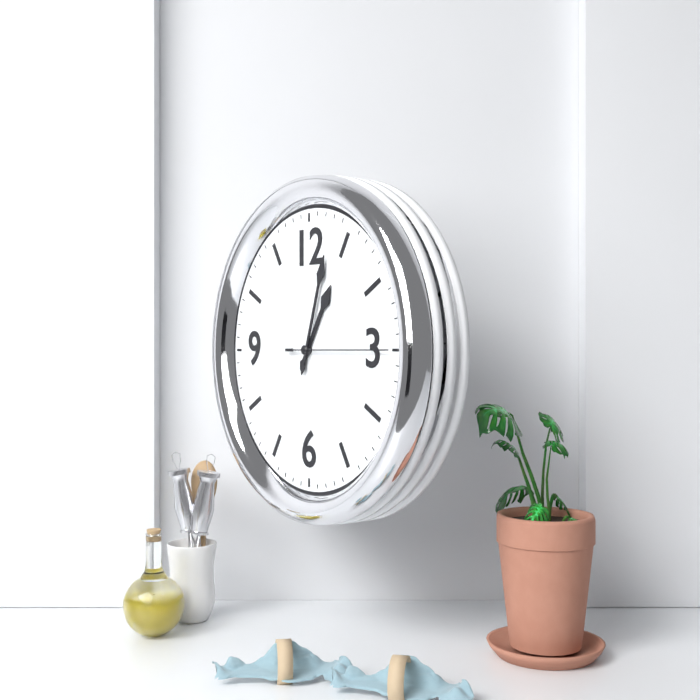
h=1 m=3
